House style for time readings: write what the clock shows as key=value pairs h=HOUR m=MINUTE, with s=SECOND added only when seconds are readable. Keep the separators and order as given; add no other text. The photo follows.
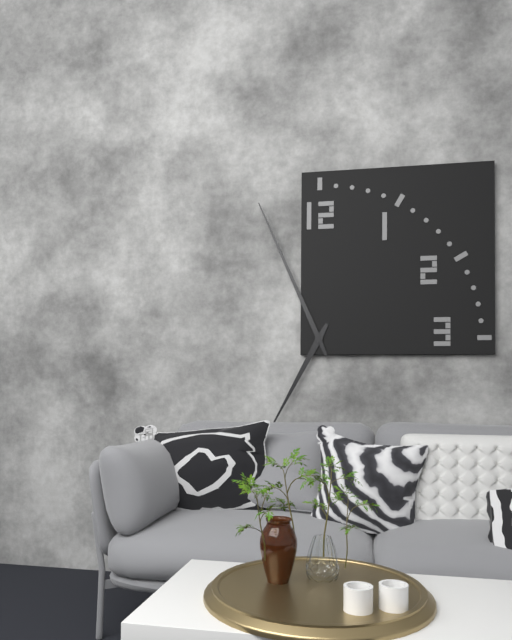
h=6 m=56
